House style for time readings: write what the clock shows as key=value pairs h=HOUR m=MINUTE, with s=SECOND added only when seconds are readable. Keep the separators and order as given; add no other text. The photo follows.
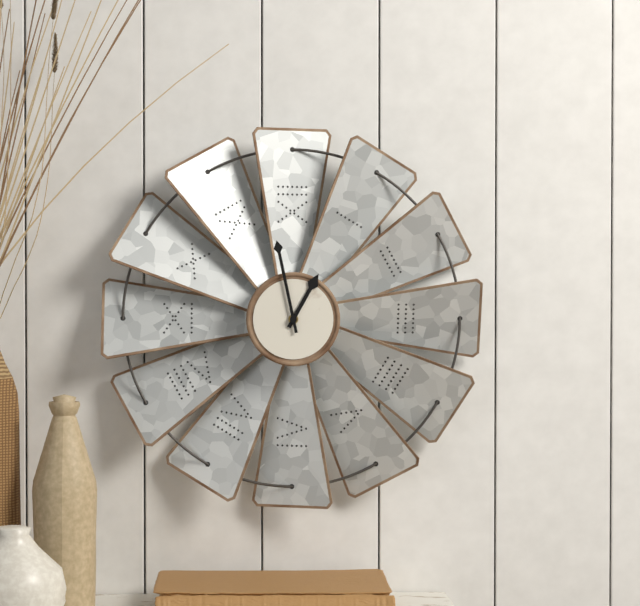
h=12 m=58
